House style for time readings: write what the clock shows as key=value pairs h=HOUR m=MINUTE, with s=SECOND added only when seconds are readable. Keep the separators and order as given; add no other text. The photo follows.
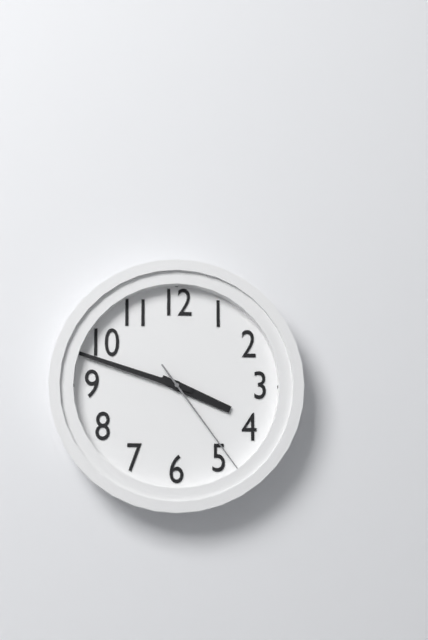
h=3 m=48 s=24
